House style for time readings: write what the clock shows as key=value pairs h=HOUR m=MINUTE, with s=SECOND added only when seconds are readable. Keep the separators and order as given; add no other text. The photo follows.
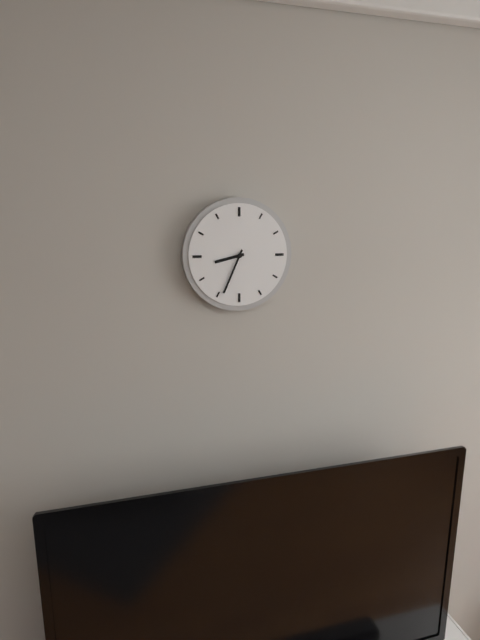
h=8 m=34
